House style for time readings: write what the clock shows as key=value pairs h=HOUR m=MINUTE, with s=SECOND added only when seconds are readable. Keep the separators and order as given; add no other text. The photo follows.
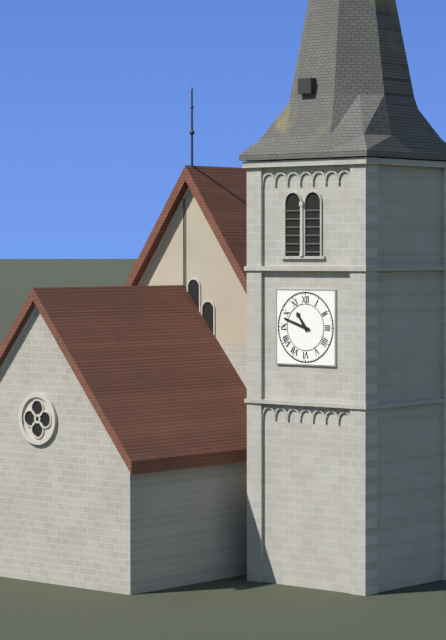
h=10 m=48
